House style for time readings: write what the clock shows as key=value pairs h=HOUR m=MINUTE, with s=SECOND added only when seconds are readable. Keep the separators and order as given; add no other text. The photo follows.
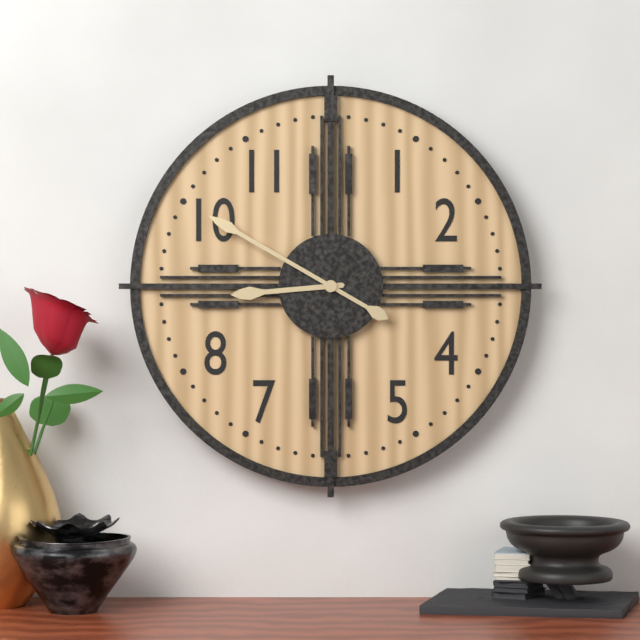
h=8 m=50
